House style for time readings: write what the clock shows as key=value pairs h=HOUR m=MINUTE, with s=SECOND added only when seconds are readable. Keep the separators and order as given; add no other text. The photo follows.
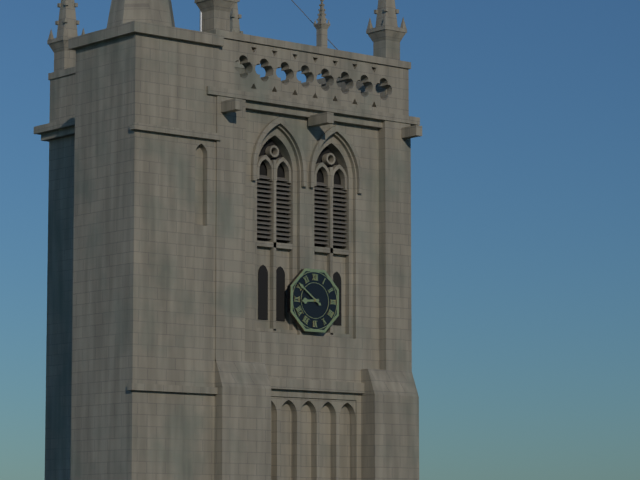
h=8 m=51
